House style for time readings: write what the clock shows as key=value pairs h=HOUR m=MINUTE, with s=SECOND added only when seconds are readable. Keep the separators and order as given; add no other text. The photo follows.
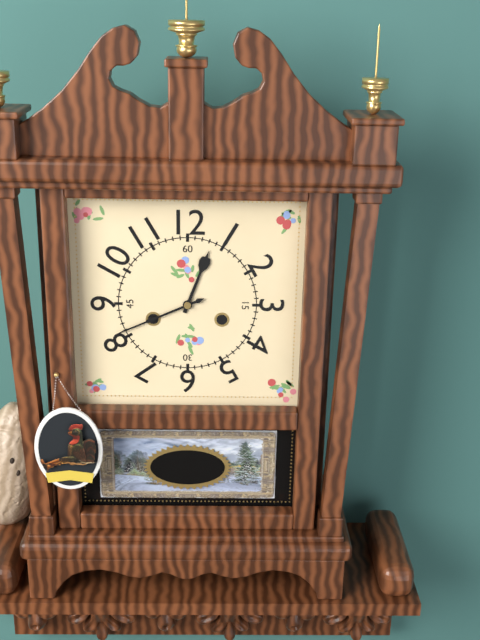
h=12 m=41
